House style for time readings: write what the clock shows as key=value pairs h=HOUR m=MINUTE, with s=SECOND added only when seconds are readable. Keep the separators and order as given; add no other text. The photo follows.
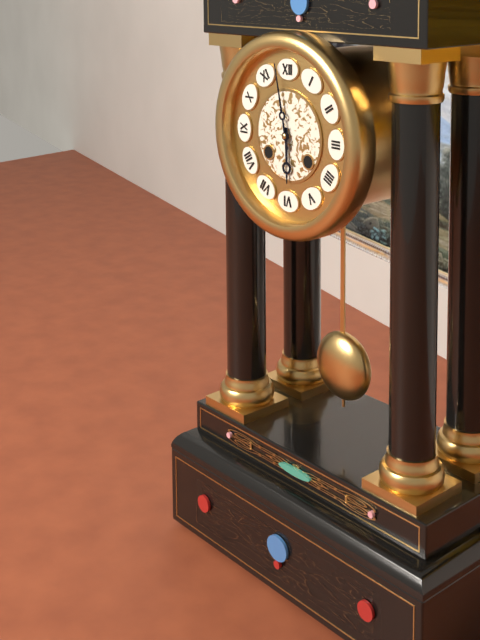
h=5 m=58
